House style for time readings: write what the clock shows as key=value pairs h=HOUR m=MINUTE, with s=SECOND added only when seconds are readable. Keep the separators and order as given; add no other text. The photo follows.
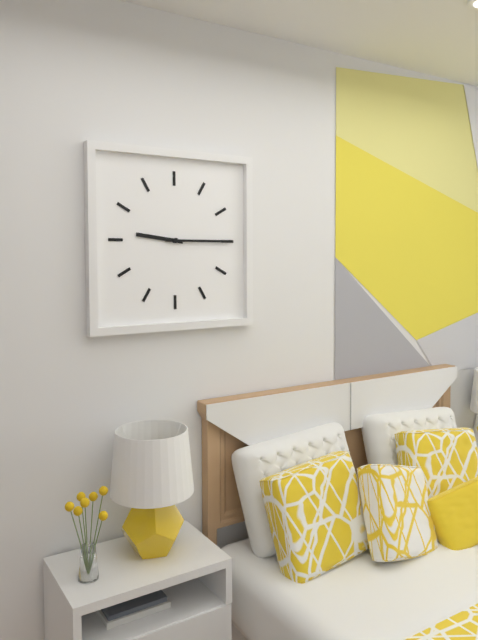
h=9 m=15
